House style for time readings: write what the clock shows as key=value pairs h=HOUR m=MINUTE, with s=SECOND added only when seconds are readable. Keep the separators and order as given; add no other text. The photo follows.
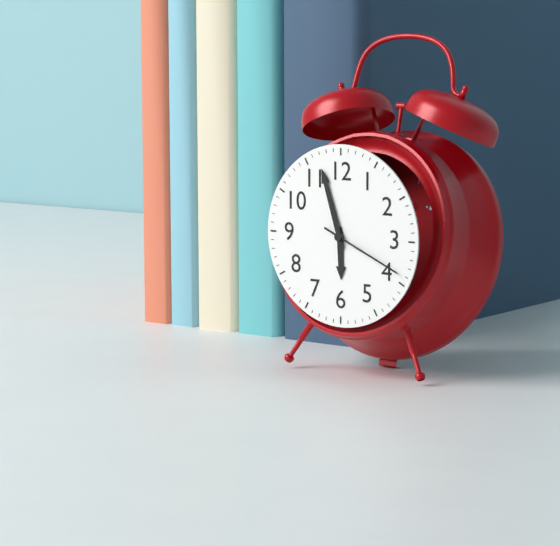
h=5 m=57 s=19
